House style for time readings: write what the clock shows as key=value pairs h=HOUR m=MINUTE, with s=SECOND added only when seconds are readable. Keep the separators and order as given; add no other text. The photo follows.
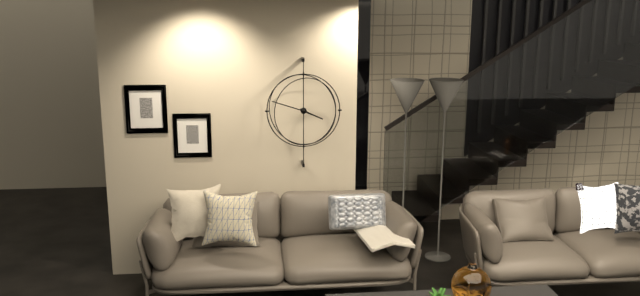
h=3 m=48
